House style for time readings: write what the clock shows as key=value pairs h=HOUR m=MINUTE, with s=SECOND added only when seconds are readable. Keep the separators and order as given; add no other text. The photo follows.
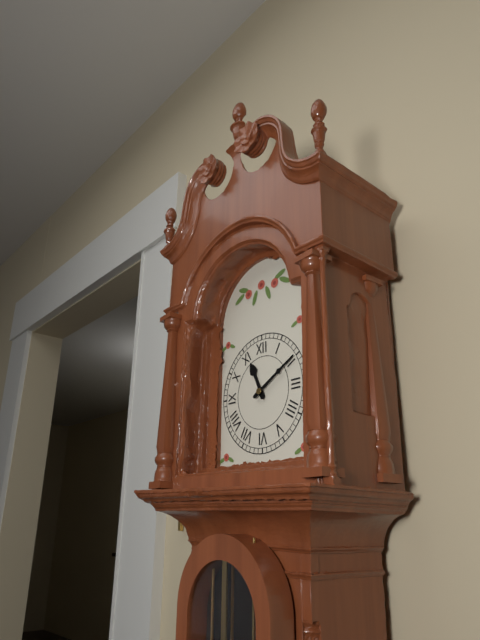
h=11 m=10
